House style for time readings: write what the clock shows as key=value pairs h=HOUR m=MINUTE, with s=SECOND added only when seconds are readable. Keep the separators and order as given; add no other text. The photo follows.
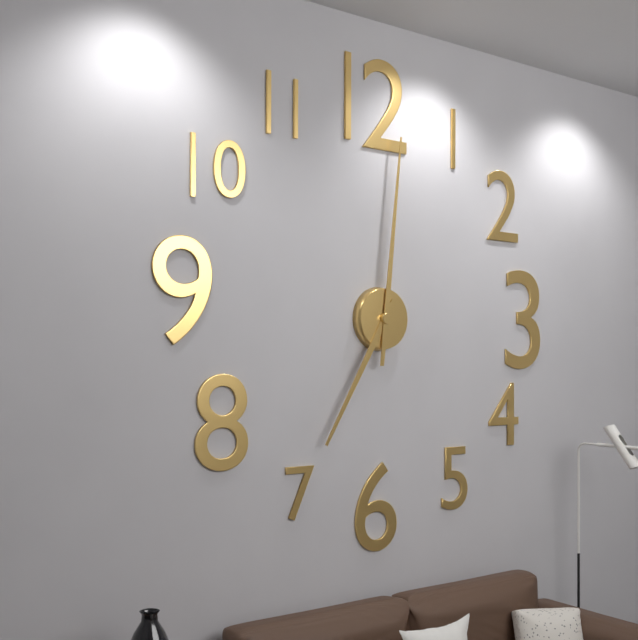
h=7 m=1
